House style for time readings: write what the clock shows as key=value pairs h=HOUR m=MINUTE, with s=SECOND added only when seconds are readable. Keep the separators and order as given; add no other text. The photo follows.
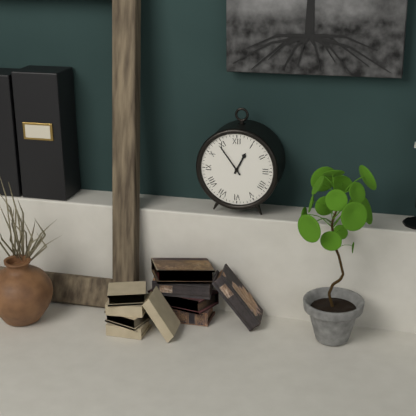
h=12 m=54
